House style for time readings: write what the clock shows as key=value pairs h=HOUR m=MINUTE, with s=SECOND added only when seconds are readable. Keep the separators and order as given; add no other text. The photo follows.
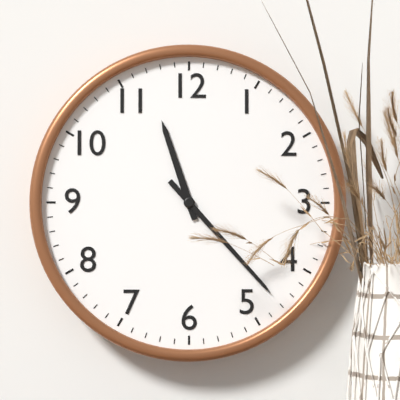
h=11 m=23
